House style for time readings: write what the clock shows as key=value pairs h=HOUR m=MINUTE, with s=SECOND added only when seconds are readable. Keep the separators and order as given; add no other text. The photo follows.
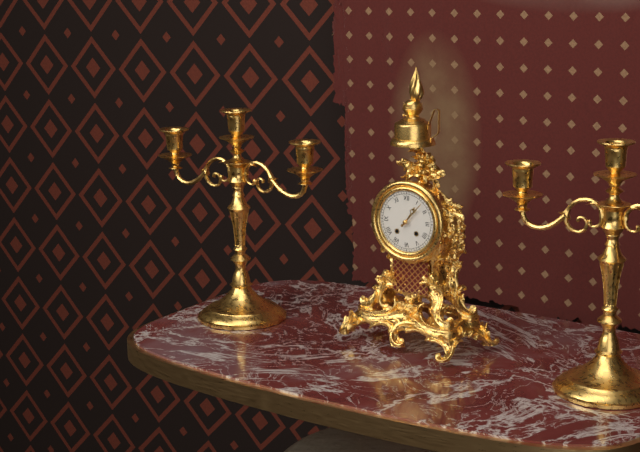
h=1 m=7
